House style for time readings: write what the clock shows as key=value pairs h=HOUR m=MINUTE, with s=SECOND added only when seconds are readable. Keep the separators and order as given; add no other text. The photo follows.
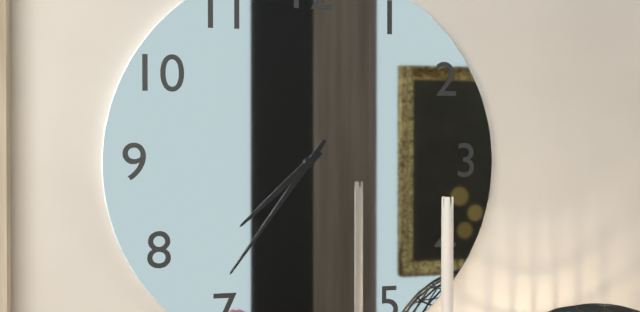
h=7 m=36
